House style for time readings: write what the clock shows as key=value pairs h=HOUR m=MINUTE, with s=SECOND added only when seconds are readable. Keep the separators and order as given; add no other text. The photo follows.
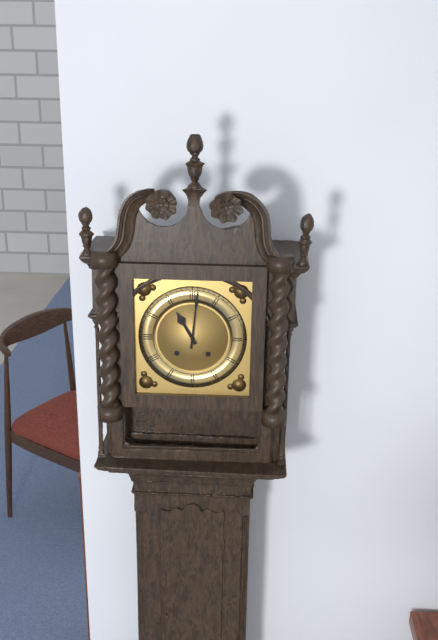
h=11 m=1
